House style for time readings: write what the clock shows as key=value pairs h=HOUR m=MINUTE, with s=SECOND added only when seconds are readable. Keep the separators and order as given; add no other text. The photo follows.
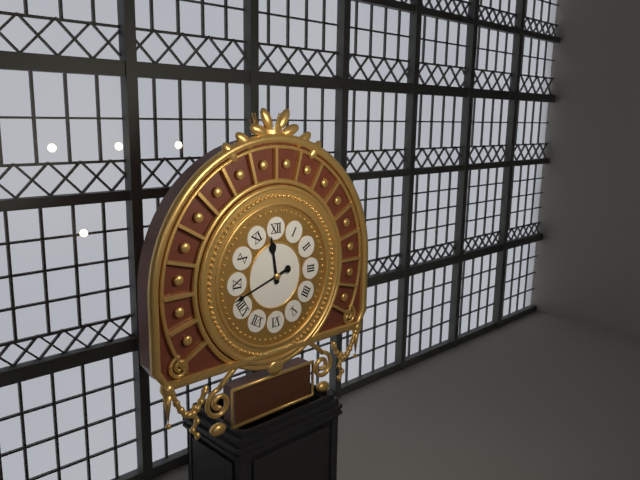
h=11 m=42
